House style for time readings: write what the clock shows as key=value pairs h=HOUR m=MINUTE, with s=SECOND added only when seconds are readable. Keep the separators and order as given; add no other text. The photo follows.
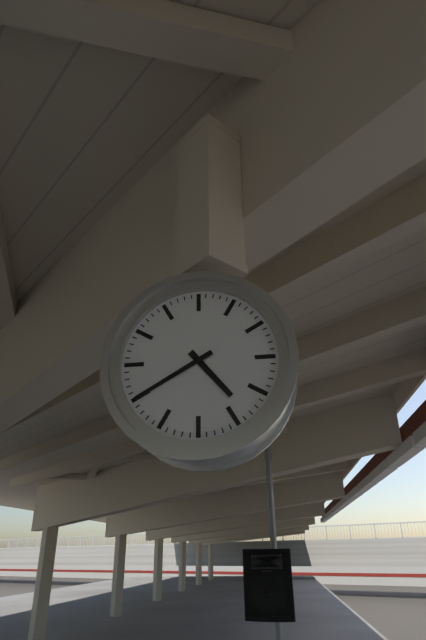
h=4 m=40
